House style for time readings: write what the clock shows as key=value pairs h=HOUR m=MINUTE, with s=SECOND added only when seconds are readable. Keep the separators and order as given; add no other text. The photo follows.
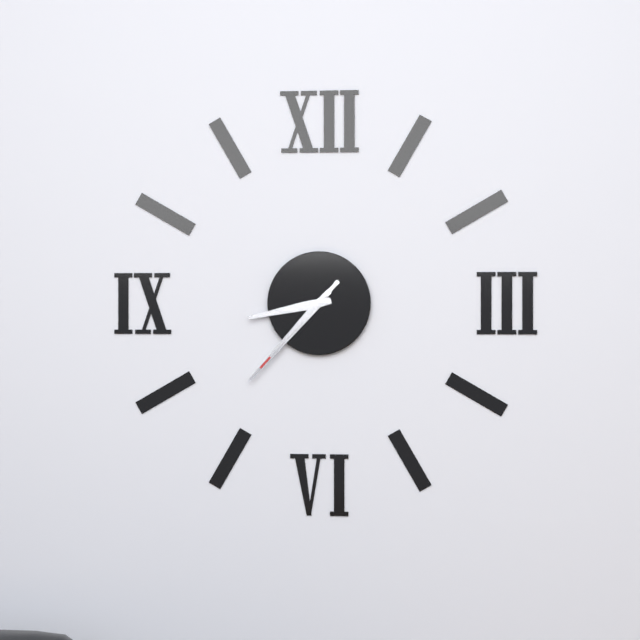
h=8 m=37 s=37
